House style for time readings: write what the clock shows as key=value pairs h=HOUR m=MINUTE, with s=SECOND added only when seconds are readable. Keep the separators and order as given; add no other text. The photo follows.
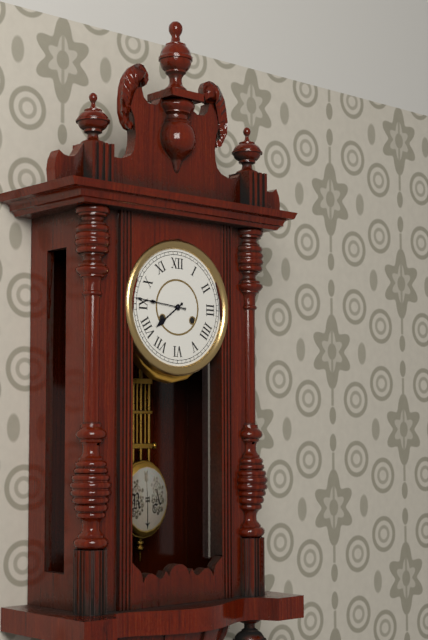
h=7 m=46
